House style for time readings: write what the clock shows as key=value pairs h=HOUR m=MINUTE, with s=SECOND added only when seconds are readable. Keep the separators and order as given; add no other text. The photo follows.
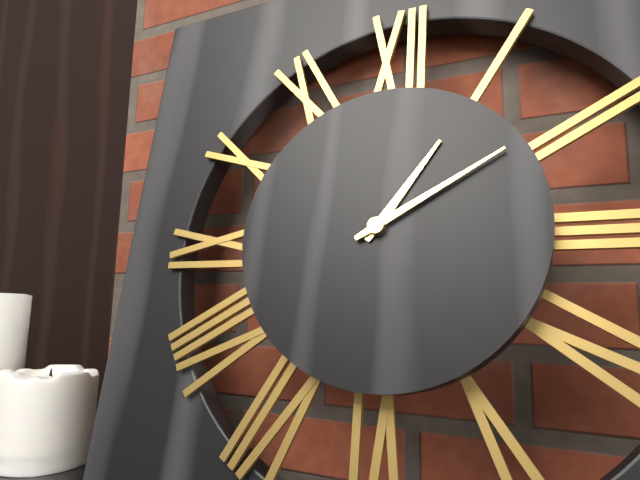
h=1 m=10
